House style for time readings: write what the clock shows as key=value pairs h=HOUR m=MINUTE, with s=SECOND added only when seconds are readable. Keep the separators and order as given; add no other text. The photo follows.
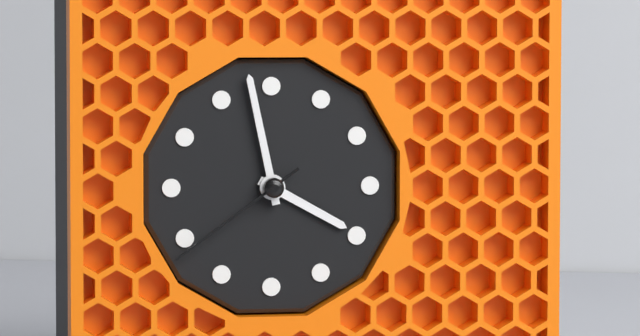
h=3 m=58 s=39
